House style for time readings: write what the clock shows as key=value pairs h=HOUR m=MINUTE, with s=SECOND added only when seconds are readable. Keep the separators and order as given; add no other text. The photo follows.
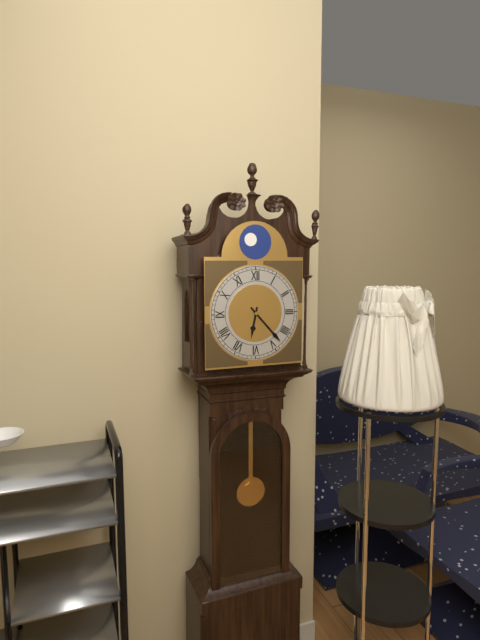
h=6 m=23
